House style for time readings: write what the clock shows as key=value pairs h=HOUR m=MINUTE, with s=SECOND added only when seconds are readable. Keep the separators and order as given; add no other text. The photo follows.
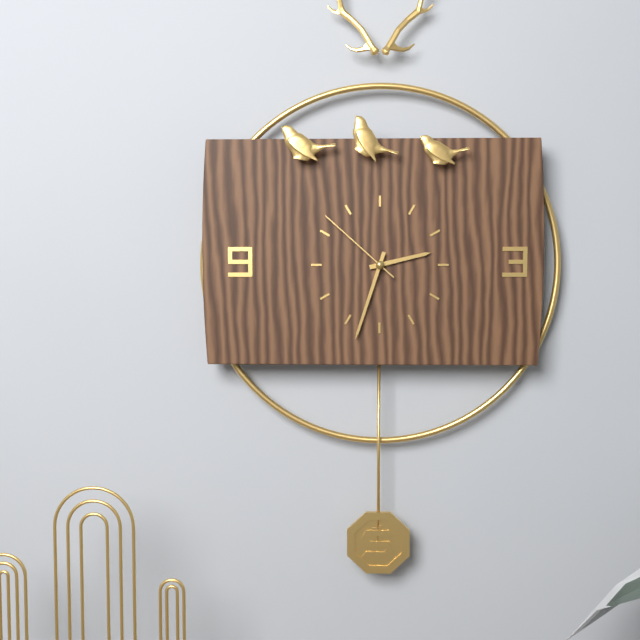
h=2 m=33 s=52
